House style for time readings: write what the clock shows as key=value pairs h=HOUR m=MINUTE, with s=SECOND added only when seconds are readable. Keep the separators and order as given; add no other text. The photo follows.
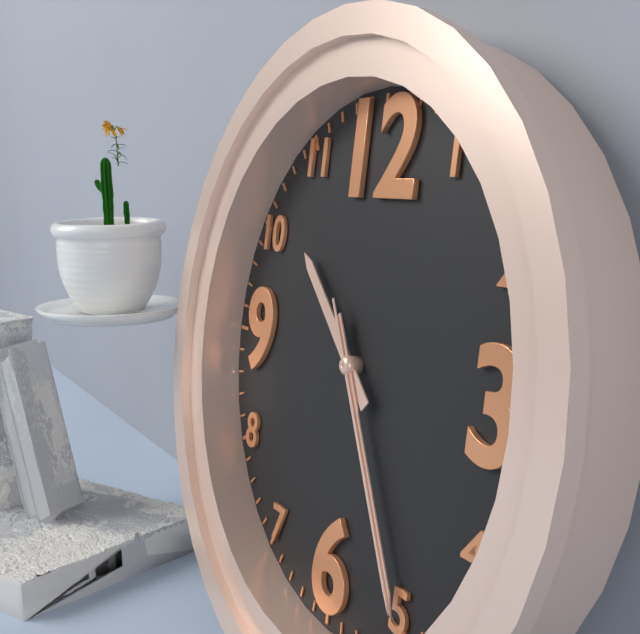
h=10 m=25 s=25
